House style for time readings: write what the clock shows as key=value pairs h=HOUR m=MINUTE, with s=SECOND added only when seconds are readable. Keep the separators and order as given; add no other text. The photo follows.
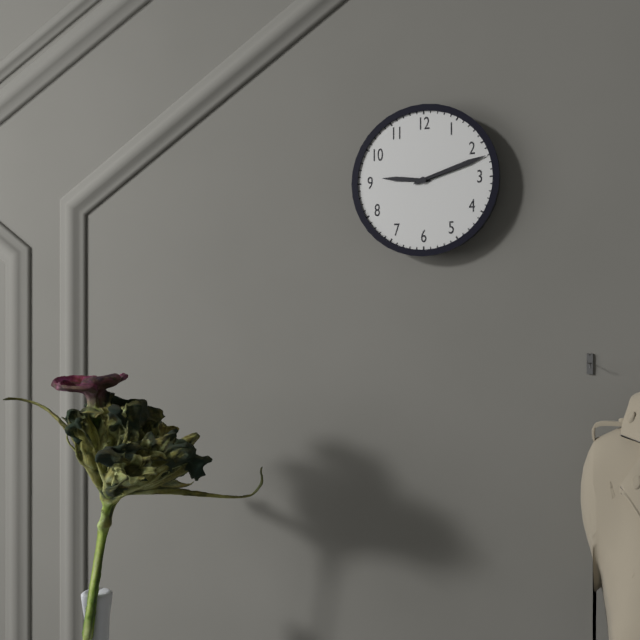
h=9 m=12
